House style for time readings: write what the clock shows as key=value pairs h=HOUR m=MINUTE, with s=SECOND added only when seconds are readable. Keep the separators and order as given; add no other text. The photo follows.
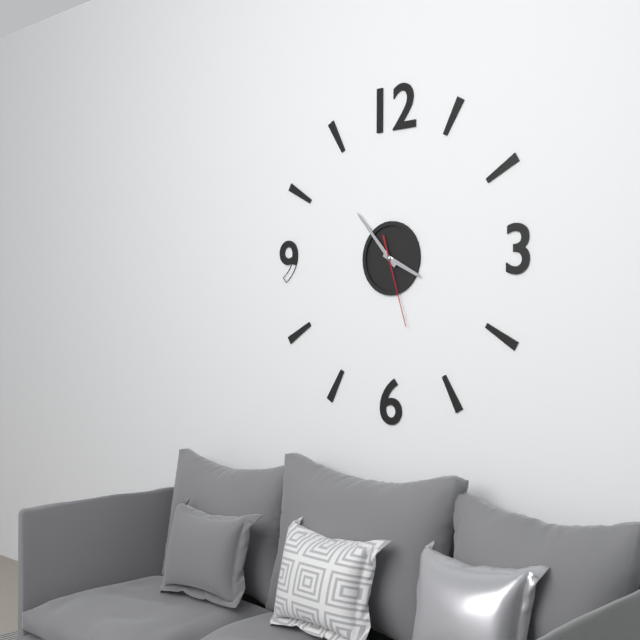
h=3 m=53 s=27
